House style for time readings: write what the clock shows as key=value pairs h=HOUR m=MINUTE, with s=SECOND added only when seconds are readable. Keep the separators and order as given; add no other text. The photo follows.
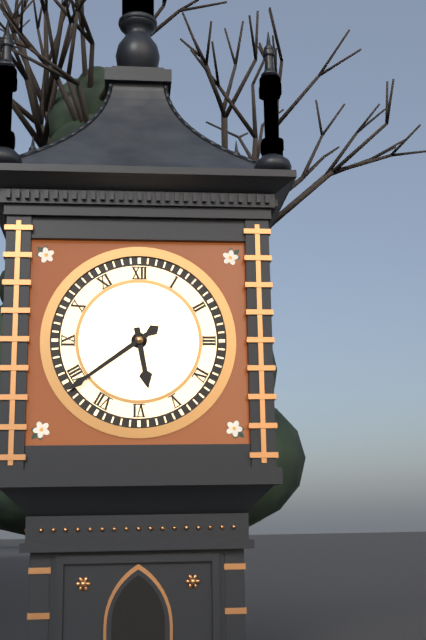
h=5 m=39
